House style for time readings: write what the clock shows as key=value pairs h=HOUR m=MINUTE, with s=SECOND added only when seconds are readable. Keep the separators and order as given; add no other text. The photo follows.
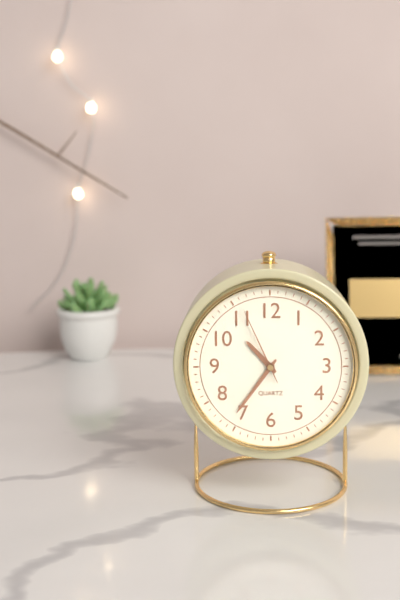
h=10 m=36 s=56
